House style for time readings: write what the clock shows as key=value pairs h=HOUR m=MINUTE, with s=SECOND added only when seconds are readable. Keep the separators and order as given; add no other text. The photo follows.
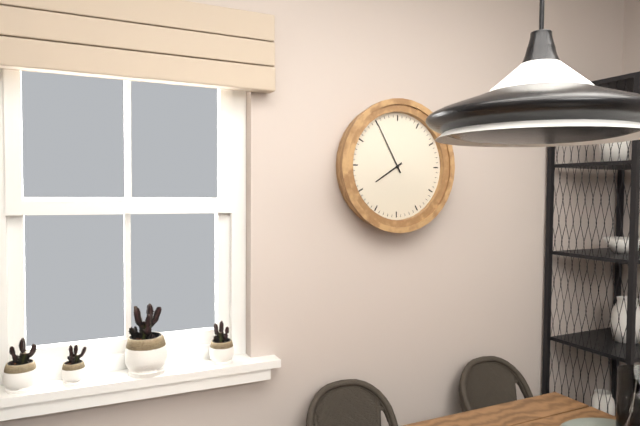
h=7 m=55
